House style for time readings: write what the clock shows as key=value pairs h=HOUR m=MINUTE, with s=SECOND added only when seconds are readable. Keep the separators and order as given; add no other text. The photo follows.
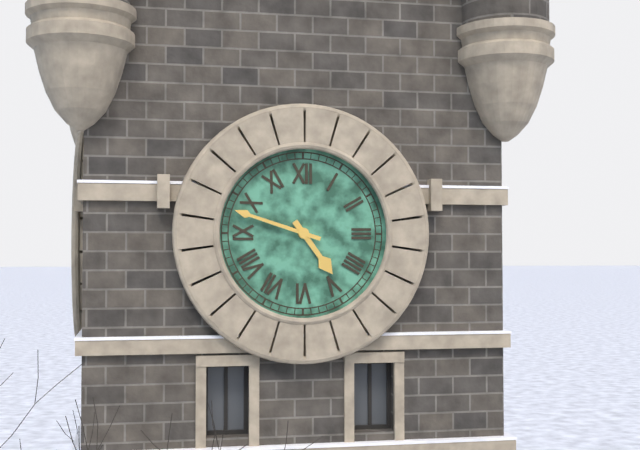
h=4 m=48
